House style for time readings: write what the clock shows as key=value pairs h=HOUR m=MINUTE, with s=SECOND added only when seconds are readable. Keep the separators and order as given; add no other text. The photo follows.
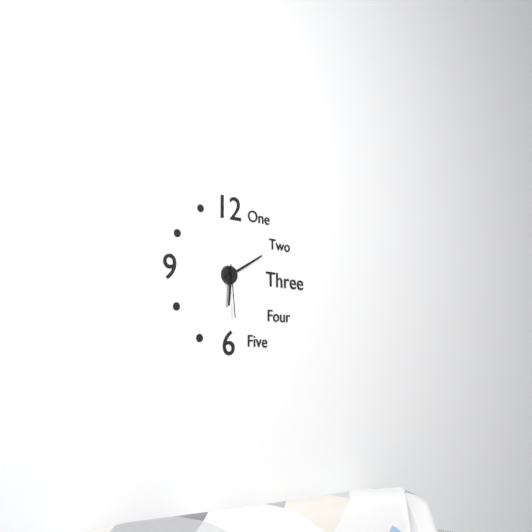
h=6 m=10 s=29
